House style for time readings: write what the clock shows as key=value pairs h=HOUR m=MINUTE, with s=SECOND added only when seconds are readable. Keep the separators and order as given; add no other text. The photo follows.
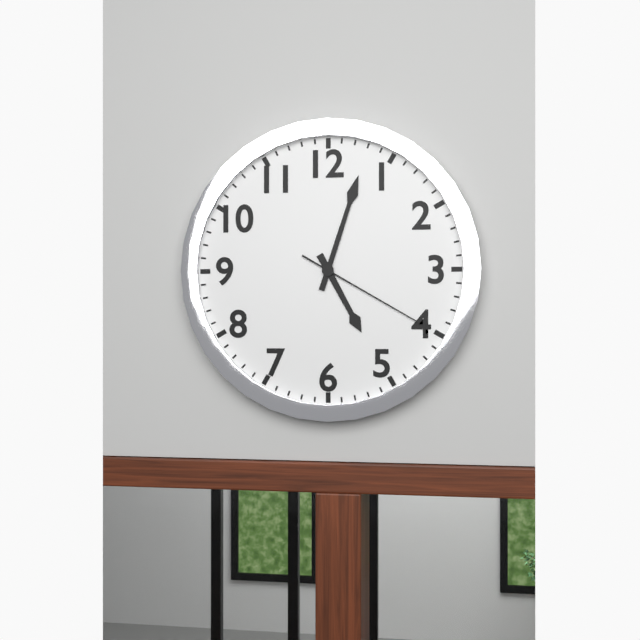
h=5 m=3 s=20
